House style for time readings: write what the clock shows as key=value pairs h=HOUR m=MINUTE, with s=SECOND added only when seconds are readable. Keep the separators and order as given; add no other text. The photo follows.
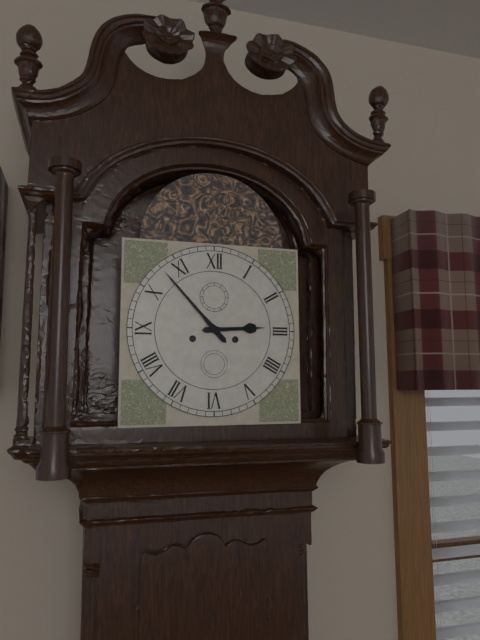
h=2 m=53
